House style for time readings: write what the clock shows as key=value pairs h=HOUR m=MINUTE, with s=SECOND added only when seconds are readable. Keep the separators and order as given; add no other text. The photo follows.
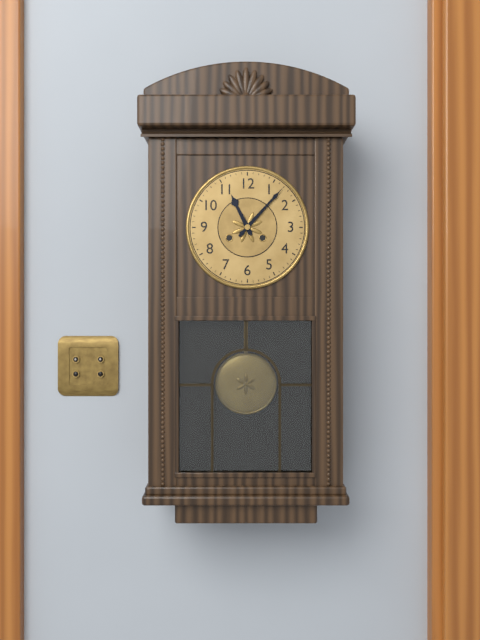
h=11 m=7
